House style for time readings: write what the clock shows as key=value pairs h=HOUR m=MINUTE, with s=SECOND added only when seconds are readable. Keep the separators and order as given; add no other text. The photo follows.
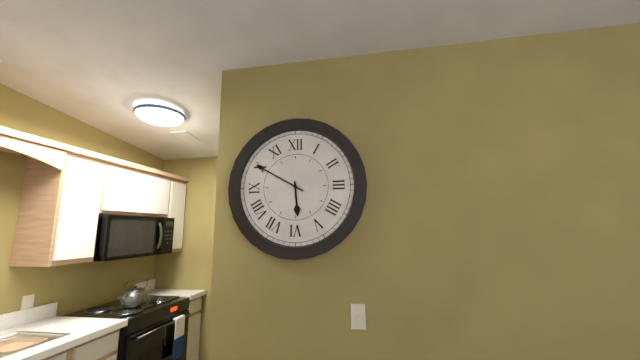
h=5 m=50
